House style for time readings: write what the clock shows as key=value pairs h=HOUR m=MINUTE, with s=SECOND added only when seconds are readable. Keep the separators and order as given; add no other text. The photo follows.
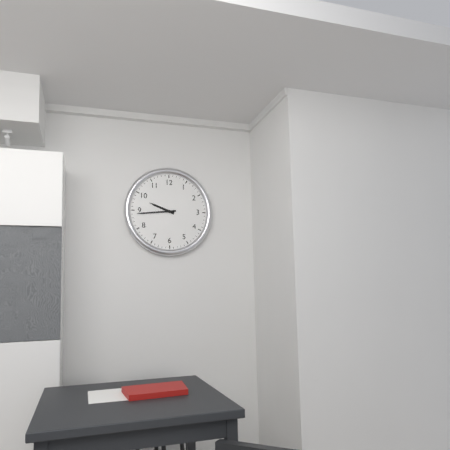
h=9 m=44
